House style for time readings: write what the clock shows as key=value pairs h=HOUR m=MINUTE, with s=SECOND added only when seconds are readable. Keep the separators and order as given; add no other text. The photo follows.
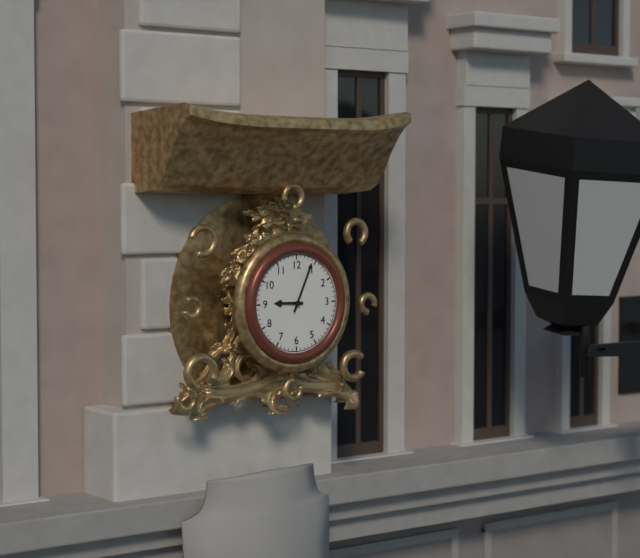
h=9 m=4
